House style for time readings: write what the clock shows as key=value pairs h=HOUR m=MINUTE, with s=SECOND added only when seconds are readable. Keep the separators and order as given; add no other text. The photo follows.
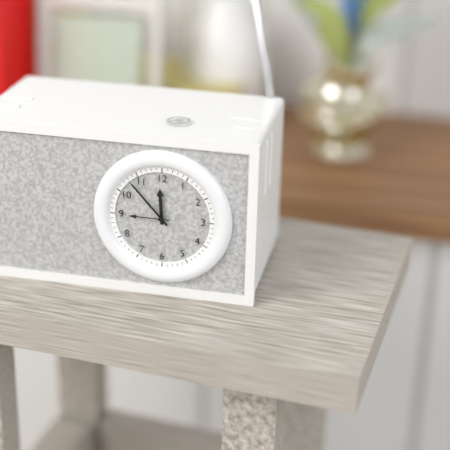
h=11 m=53
